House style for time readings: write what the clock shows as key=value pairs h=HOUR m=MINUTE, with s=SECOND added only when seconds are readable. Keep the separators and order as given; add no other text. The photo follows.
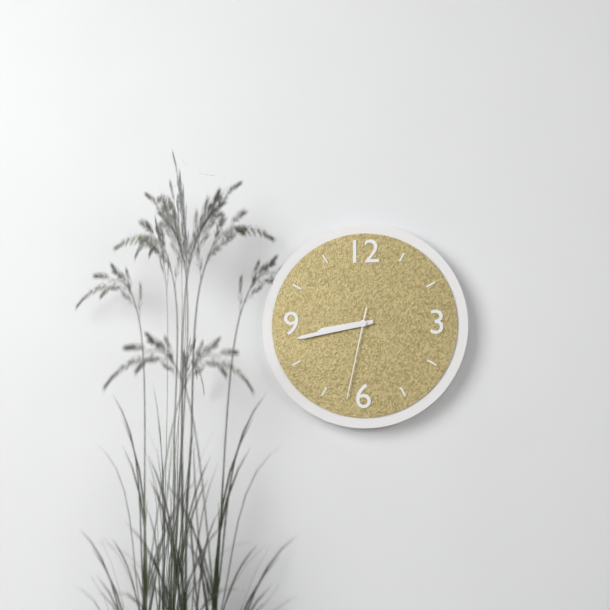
h=8 m=43 s=32
